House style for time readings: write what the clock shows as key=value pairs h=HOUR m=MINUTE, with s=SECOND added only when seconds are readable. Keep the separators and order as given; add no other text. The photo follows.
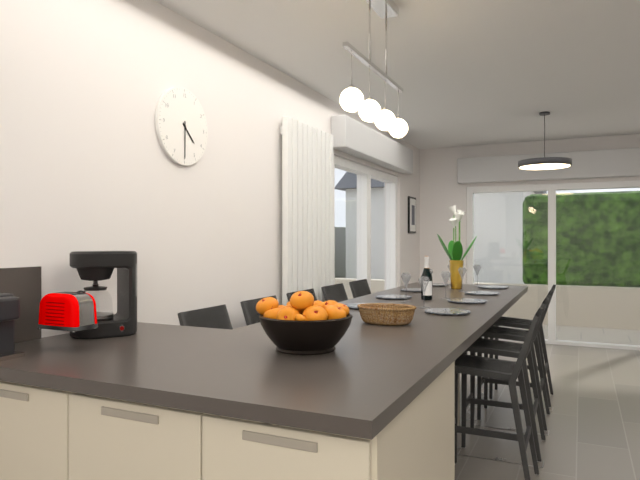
h=4 m=30
